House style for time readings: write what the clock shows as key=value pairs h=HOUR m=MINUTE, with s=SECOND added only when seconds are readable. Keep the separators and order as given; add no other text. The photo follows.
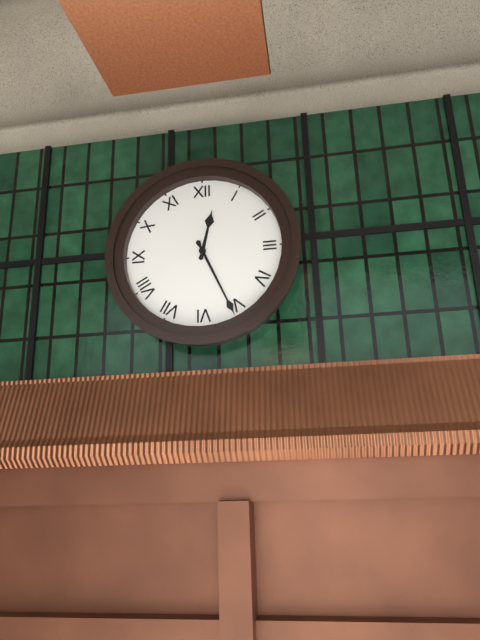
h=12 m=26
